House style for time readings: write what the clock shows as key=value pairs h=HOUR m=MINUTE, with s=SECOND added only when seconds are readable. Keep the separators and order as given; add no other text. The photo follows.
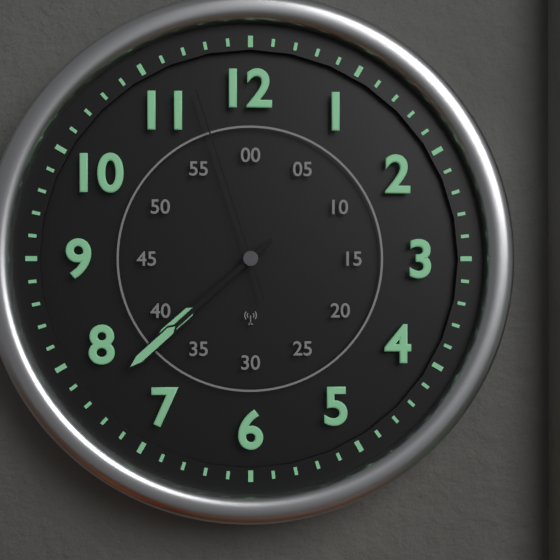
h=7 m=38 s=57
